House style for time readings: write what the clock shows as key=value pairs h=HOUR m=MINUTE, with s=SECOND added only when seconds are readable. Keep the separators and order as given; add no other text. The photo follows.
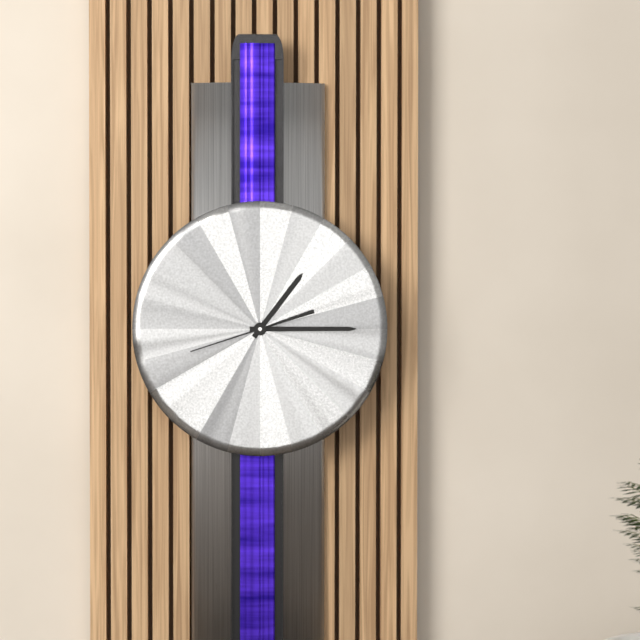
h=1 m=15 s=42
